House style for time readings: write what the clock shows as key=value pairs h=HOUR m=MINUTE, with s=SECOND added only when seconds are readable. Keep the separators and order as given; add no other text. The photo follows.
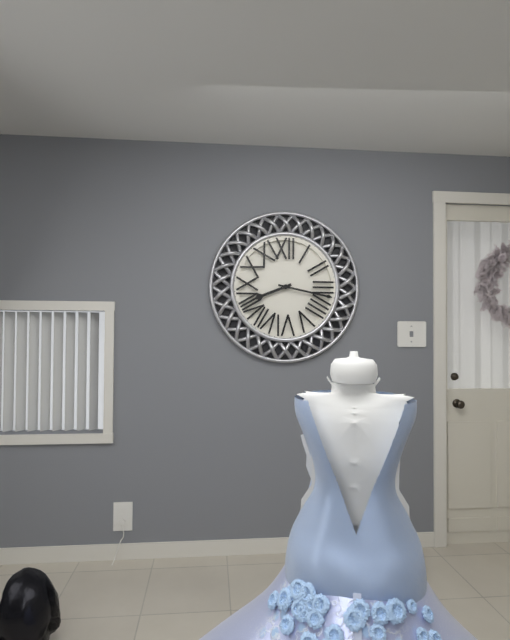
h=8 m=17
